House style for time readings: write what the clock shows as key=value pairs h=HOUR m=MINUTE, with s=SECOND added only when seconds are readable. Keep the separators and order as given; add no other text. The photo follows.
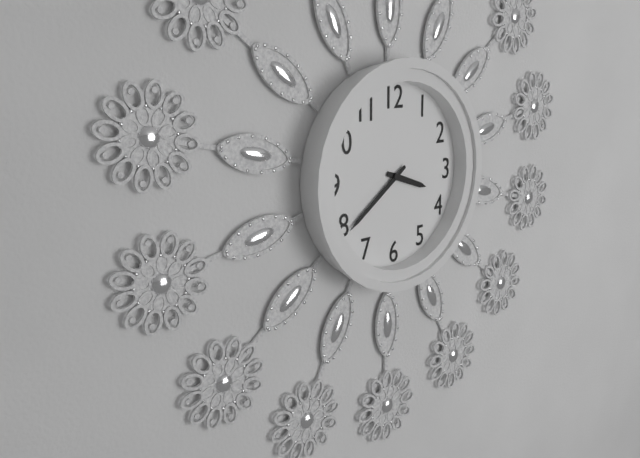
h=3 m=39
